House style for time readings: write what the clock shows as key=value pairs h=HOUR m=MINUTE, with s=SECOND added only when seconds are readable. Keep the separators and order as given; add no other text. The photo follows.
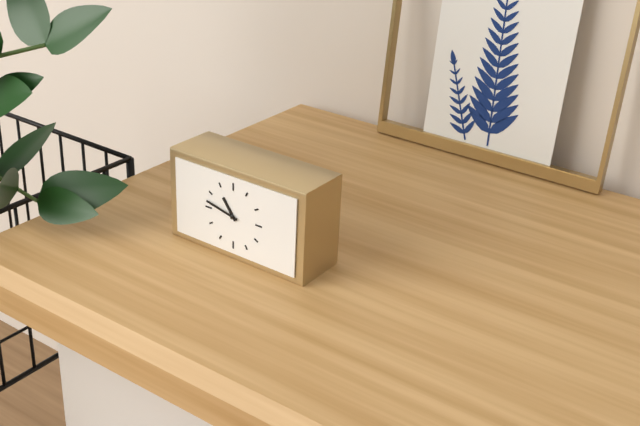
h=10 m=47
